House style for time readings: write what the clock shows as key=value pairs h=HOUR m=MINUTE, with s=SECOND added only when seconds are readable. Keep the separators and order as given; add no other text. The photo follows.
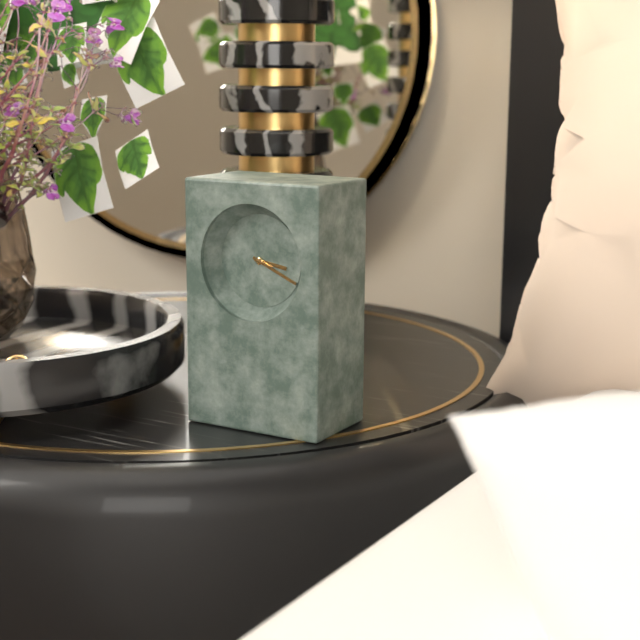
h=3 m=19
